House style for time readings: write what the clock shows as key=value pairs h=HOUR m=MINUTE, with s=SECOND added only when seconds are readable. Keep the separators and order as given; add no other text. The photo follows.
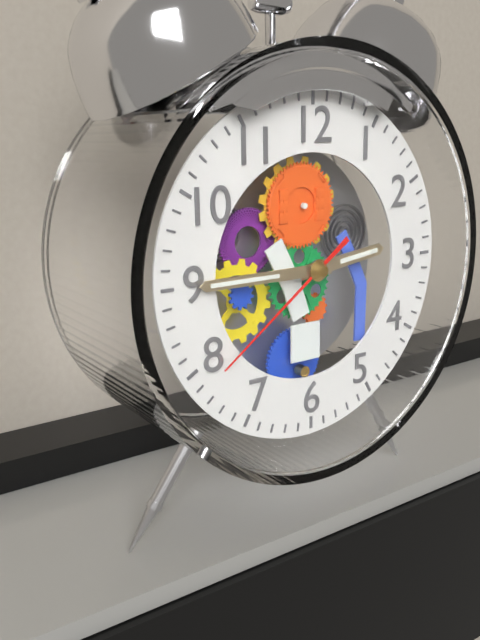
h=2 m=45 s=39
